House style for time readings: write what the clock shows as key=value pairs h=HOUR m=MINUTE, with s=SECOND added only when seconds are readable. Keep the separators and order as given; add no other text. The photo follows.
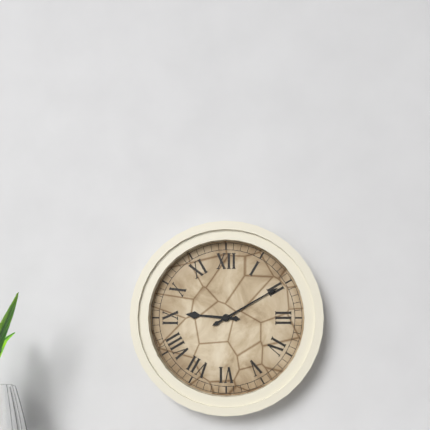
h=9 m=10
